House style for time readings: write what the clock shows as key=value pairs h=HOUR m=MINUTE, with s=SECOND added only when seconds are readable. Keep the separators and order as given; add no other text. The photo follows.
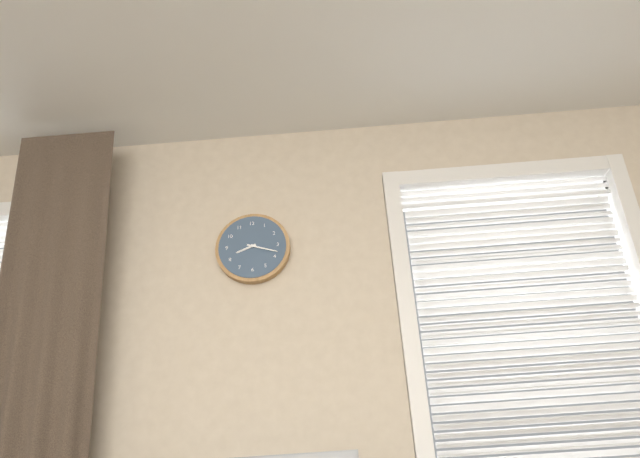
h=8 m=18
